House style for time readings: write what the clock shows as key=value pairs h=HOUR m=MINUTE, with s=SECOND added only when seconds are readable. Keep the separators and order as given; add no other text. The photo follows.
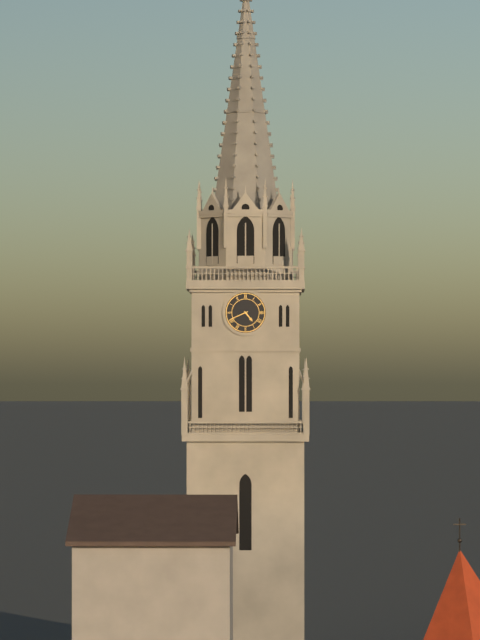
h=4 m=41
